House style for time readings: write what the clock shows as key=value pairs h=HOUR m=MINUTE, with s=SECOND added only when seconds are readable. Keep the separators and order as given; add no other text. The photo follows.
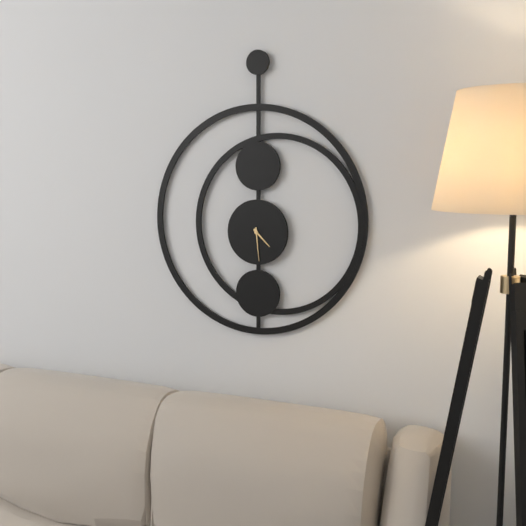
h=4 m=29
